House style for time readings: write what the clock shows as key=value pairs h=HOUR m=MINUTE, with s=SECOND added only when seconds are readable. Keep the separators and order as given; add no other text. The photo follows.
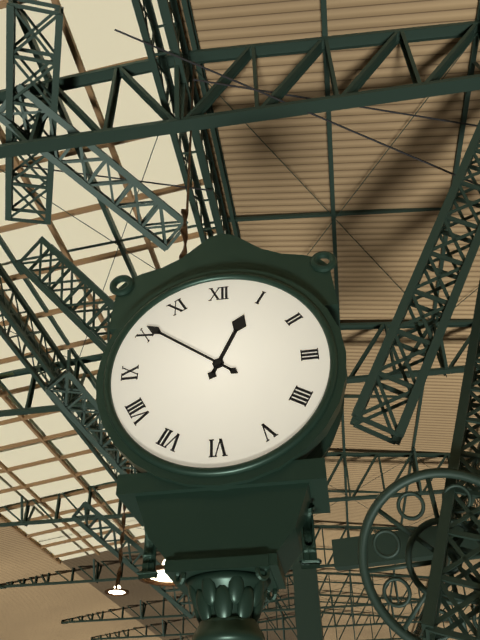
h=12 m=51
